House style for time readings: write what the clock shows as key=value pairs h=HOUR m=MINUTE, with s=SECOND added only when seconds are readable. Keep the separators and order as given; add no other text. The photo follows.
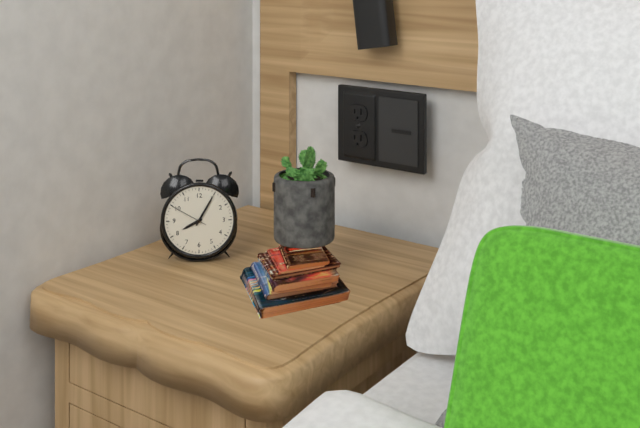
h=8 m=5
